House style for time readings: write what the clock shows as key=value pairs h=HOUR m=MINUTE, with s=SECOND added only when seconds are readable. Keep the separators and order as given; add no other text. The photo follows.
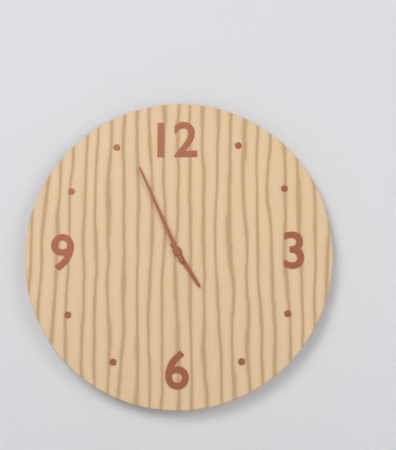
h=4 m=56
